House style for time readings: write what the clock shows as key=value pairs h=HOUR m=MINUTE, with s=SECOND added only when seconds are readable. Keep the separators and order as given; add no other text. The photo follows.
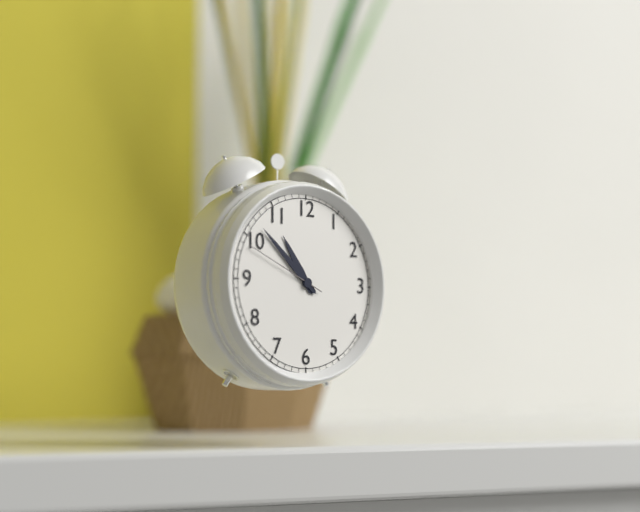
h=10 m=52 s=49
